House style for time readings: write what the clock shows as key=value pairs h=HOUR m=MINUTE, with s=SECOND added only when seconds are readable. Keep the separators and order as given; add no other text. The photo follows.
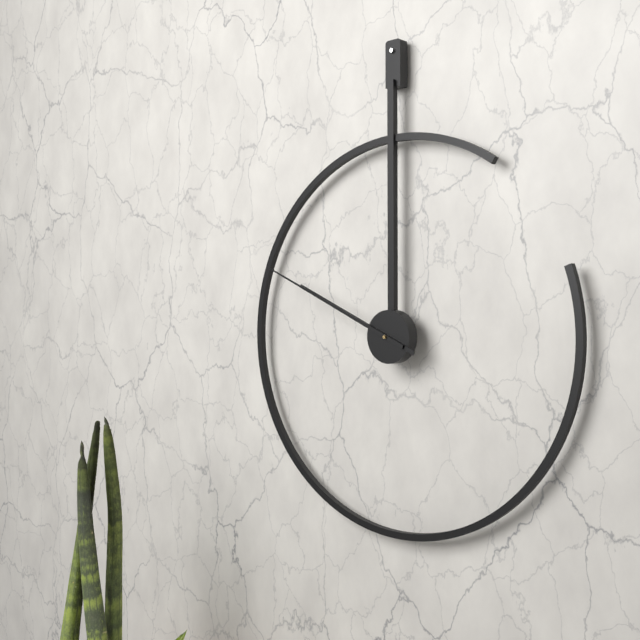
h=9 m=49
